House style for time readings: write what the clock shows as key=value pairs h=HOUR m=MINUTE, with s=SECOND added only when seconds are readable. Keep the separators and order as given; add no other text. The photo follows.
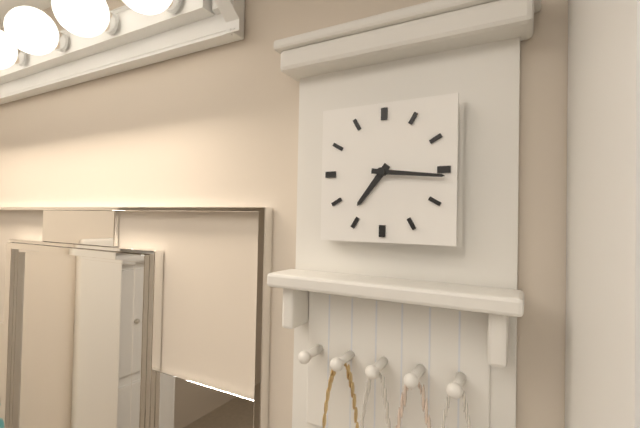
h=7 m=16
